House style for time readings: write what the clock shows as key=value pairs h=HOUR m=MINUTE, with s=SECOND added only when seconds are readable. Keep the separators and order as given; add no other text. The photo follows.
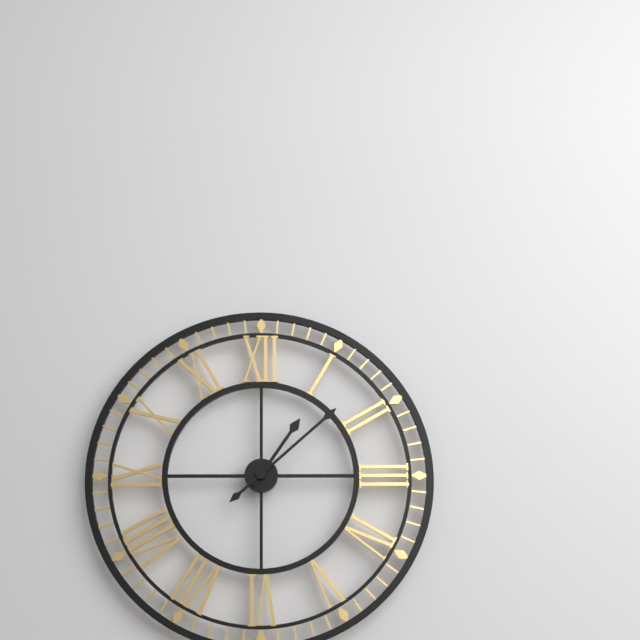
h=1 m=8
